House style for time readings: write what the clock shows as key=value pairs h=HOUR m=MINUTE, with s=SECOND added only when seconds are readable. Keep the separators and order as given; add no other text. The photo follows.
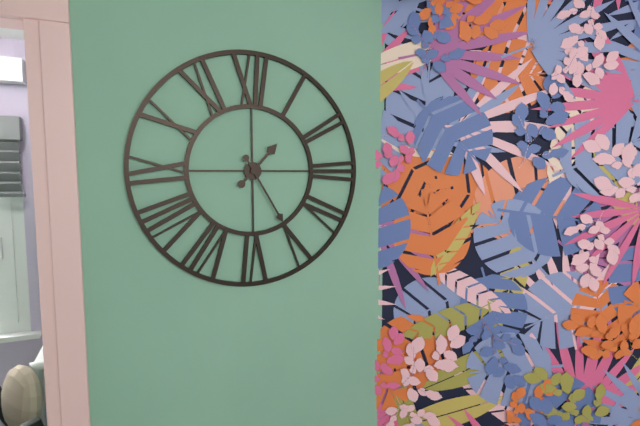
h=1 m=25
